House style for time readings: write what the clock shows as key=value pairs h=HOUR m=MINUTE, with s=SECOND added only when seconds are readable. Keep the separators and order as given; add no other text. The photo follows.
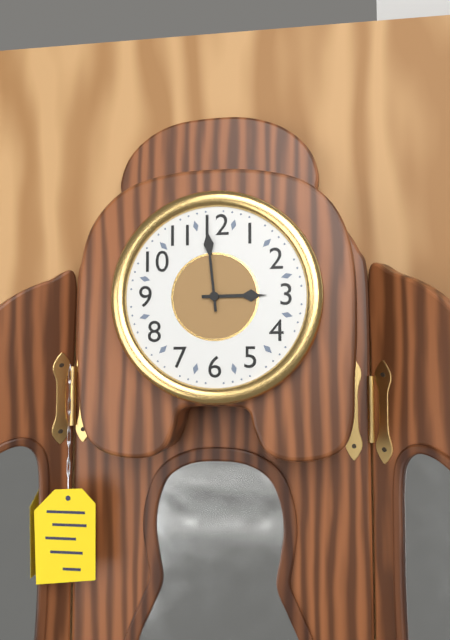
h=2 m=59
